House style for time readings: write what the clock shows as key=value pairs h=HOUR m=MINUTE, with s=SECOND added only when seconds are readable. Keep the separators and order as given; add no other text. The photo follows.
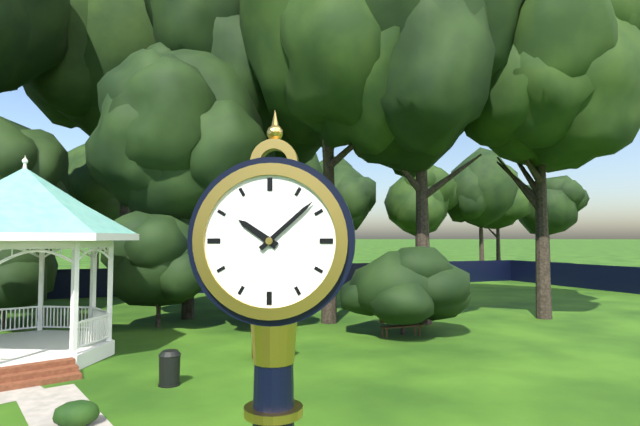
h=10 m=8
